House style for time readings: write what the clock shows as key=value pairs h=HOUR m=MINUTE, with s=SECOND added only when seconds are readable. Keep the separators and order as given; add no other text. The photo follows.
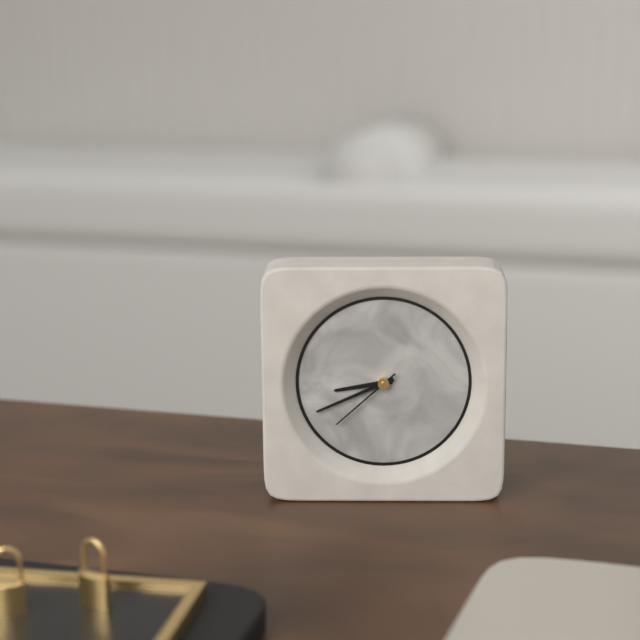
h=8 m=41 s=38
